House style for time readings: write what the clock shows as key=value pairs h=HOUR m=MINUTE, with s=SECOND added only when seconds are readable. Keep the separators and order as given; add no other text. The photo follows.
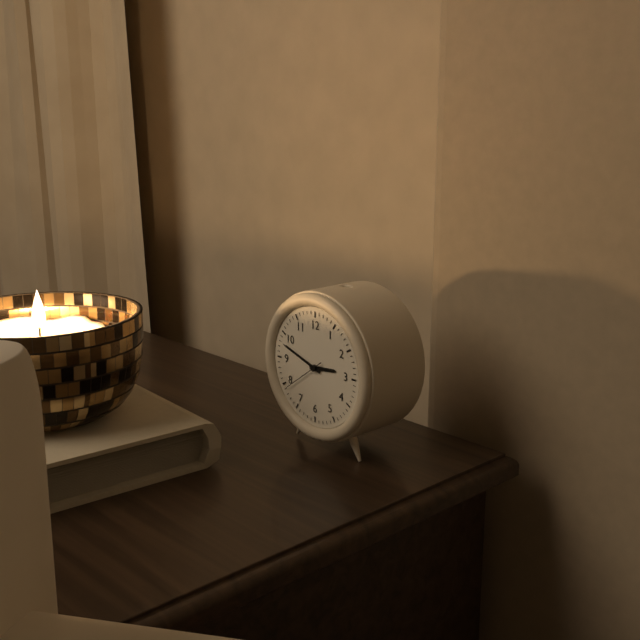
h=2 m=48
